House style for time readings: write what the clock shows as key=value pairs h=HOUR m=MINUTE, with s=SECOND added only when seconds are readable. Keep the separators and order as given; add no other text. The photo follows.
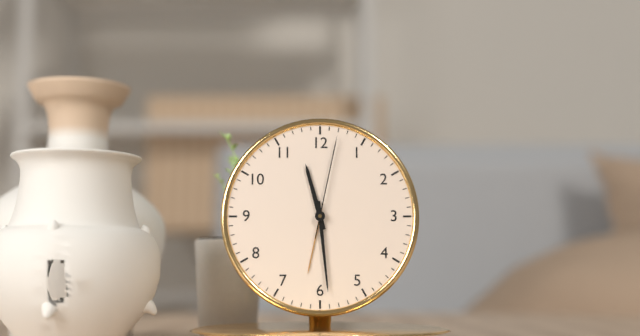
h=11 m=29 s=2
